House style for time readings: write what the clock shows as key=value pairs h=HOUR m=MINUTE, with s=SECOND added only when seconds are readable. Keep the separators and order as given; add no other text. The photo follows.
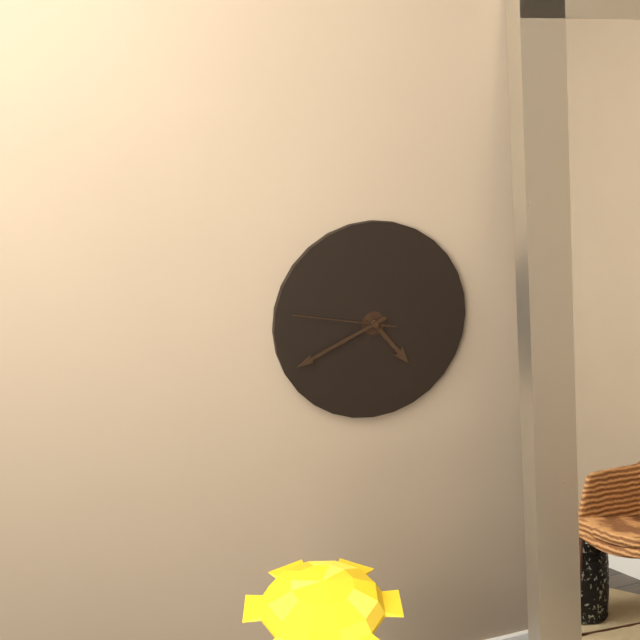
h=4 m=41 s=47
